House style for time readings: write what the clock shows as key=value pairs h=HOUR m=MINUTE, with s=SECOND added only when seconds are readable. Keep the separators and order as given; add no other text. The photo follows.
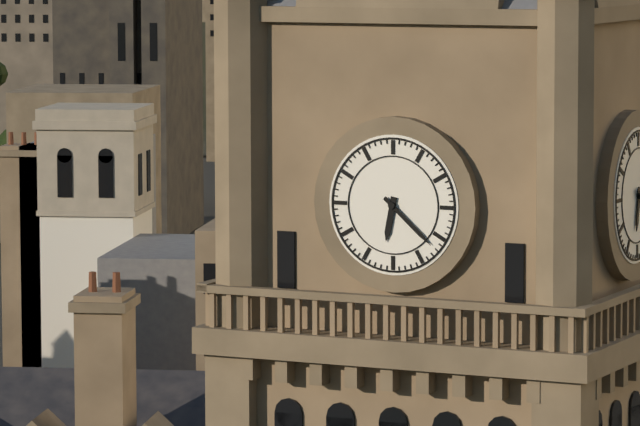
h=6 m=22
